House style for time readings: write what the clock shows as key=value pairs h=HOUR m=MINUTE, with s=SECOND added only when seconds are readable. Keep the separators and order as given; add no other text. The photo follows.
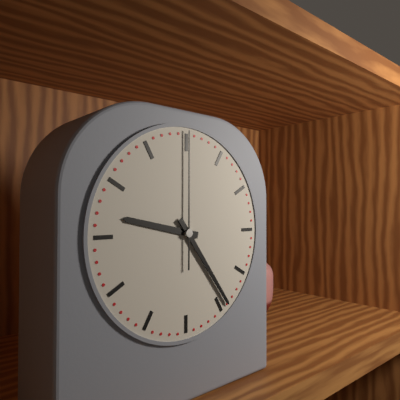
h=9 m=24 s=0
